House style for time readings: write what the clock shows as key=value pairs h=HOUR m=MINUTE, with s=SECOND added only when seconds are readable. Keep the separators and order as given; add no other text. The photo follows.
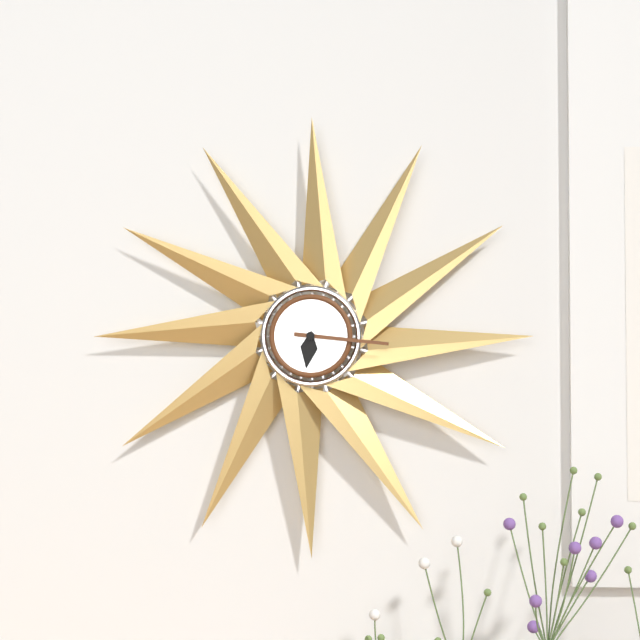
h=6 m=16
